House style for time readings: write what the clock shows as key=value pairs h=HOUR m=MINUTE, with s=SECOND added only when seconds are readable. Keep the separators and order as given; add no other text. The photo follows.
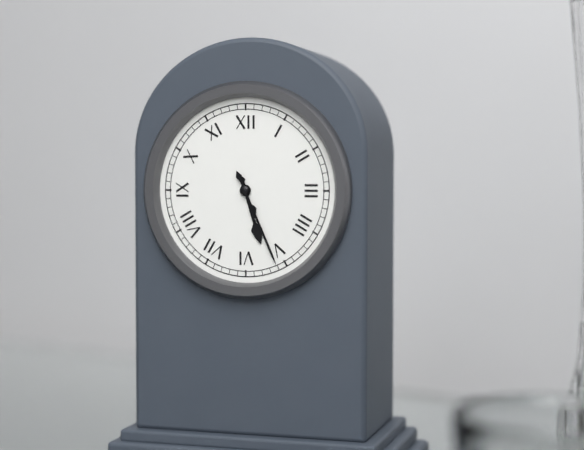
h=5 m=26
